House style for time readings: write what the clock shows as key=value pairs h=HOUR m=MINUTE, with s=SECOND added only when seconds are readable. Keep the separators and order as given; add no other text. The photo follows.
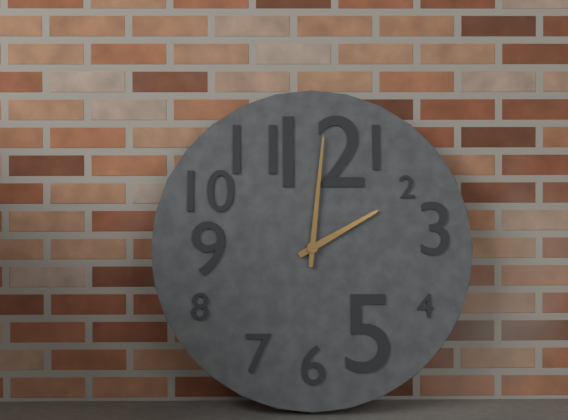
h=2 m=1
